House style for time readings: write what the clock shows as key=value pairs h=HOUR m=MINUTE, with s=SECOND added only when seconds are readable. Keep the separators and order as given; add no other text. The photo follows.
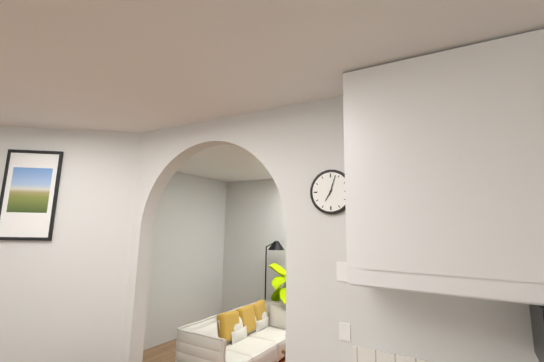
h=7 m=3
